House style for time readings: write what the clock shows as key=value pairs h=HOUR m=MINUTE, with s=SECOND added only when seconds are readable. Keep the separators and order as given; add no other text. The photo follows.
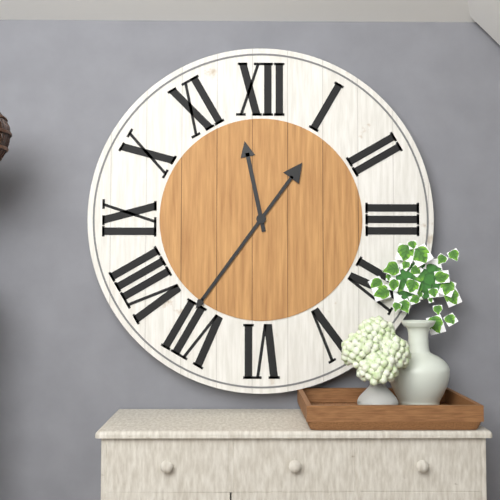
h=11 m=36
